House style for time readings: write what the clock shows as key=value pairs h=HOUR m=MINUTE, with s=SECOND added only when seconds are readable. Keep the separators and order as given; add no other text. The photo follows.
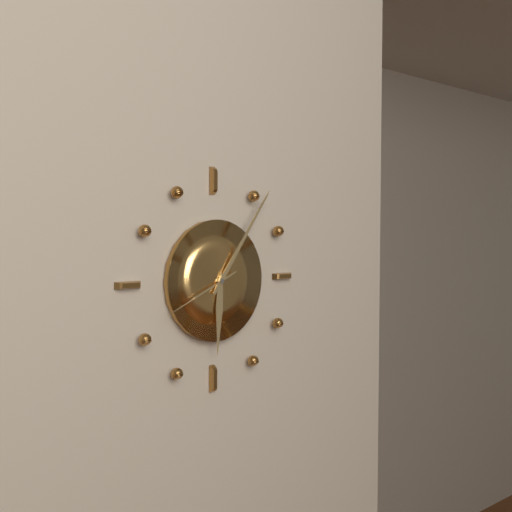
h=6 m=6 s=41
